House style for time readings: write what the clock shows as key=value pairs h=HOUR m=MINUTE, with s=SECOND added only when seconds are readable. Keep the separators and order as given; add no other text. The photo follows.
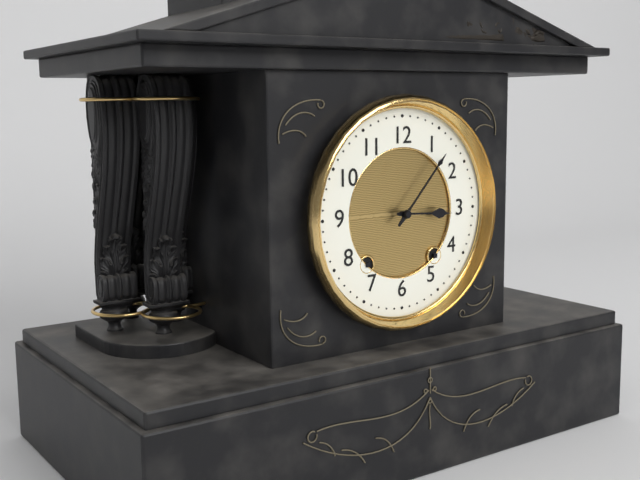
h=3 m=7
